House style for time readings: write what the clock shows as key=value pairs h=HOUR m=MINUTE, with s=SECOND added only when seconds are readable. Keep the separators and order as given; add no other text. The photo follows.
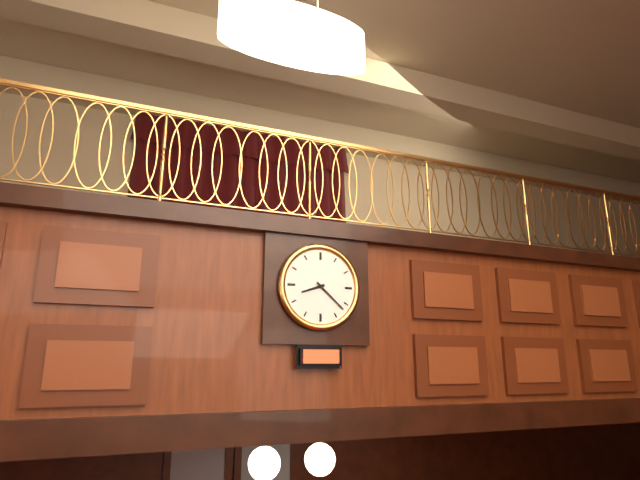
h=8 m=22
